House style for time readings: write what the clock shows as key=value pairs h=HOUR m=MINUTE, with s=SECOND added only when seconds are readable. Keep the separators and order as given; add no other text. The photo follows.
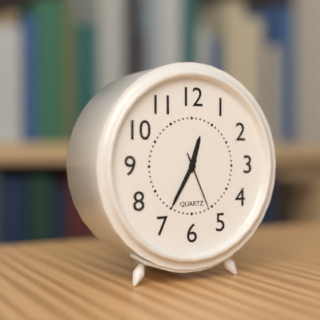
h=12 m=35 s=26
